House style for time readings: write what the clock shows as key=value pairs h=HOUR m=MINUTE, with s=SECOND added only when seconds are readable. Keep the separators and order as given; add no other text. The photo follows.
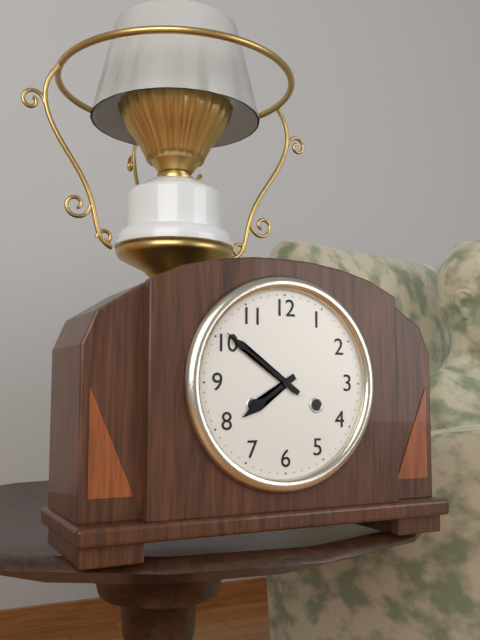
h=7 m=51
